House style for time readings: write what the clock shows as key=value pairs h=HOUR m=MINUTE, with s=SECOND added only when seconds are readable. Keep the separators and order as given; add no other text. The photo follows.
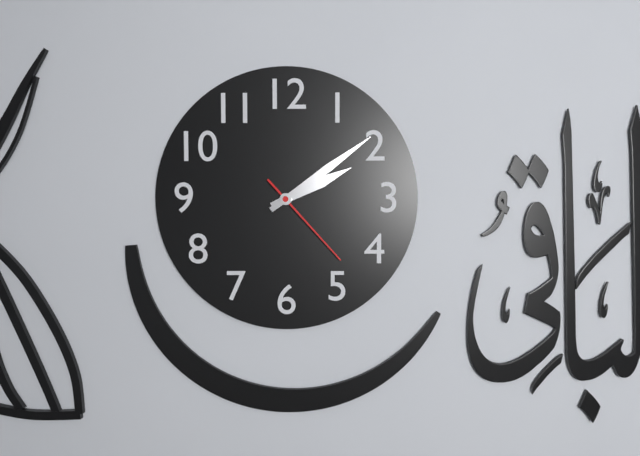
h=2 m=9 s=23
